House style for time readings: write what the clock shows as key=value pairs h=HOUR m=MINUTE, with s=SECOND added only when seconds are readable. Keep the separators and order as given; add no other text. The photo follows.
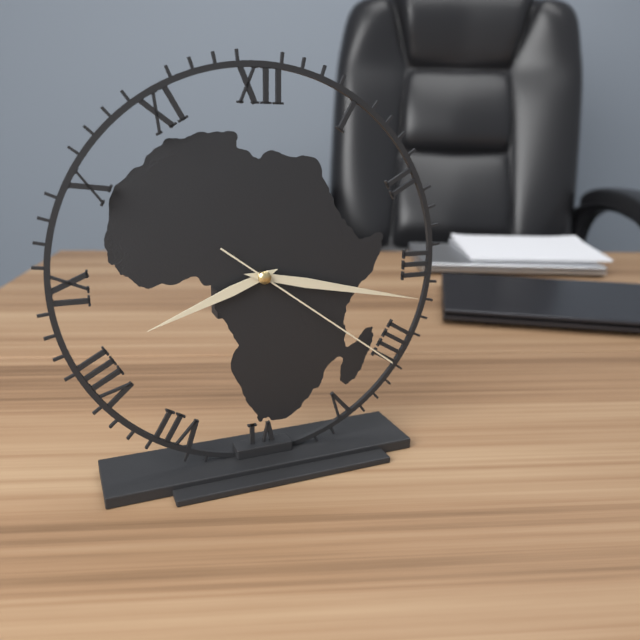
h=8 m=17 s=21
